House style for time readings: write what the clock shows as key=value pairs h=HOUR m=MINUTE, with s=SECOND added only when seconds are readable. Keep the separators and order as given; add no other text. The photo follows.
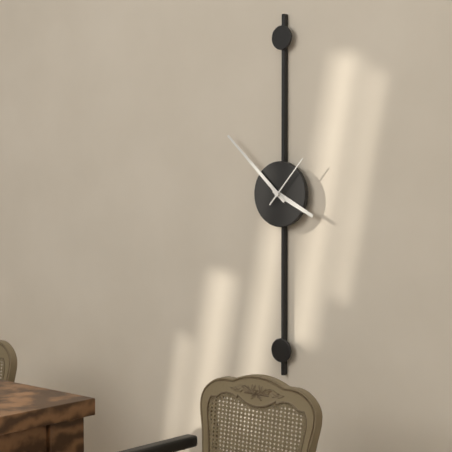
h=3 m=52 s=7
